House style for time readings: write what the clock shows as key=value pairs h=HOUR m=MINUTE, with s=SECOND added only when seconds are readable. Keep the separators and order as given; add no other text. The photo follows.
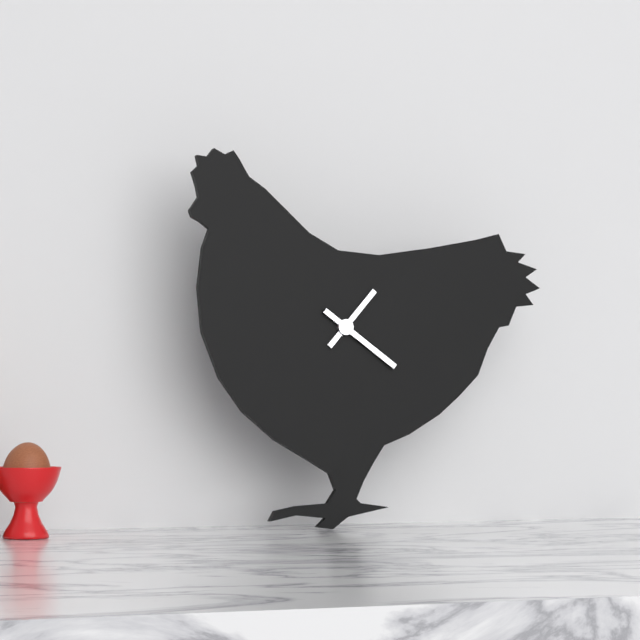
h=1 m=21
